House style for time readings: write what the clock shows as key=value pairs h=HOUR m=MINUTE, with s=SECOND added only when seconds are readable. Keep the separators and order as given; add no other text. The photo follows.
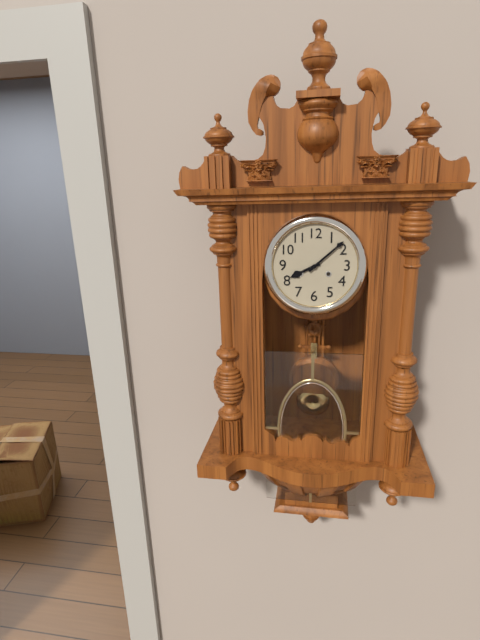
h=8 m=8
